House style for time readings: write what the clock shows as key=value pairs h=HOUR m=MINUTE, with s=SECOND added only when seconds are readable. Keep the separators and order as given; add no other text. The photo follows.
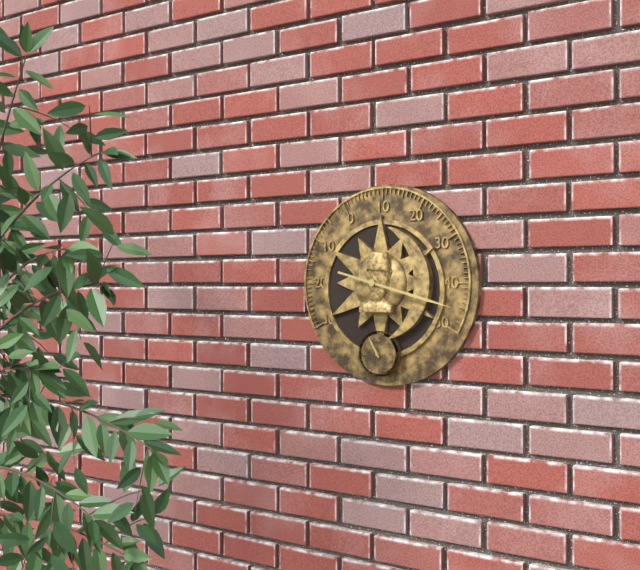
h=10 m=55
